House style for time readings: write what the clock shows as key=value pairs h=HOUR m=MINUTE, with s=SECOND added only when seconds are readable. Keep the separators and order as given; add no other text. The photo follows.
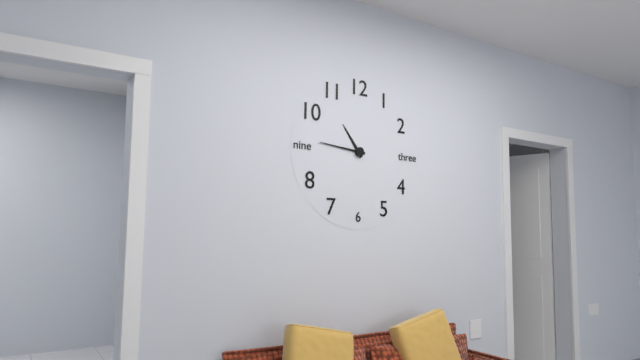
h=10 m=46
